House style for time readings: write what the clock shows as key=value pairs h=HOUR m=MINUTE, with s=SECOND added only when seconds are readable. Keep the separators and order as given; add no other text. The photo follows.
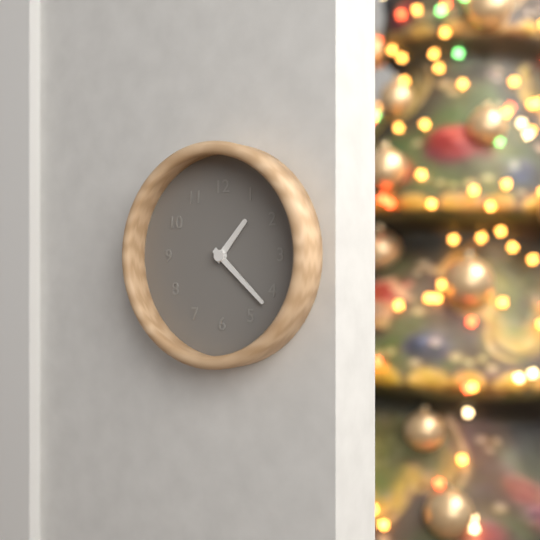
h=1 m=22
